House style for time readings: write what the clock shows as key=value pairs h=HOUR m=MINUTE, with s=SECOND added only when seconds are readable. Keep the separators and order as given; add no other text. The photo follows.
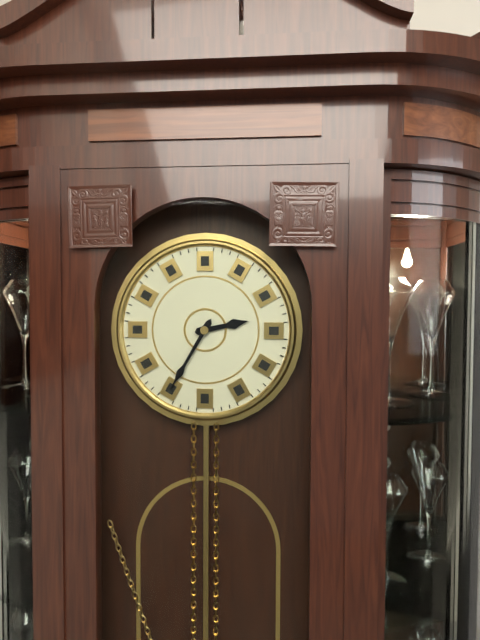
h=2 m=35
